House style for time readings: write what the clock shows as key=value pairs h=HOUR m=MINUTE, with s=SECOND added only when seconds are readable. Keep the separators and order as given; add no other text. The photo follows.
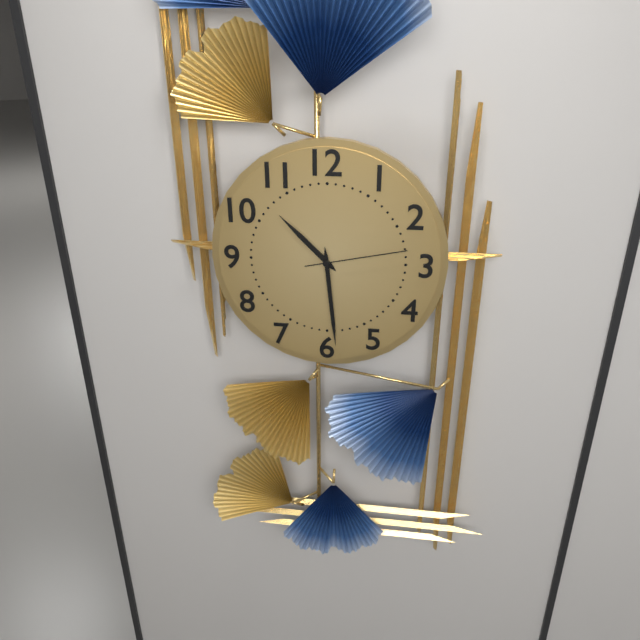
h=10 m=29 s=13
